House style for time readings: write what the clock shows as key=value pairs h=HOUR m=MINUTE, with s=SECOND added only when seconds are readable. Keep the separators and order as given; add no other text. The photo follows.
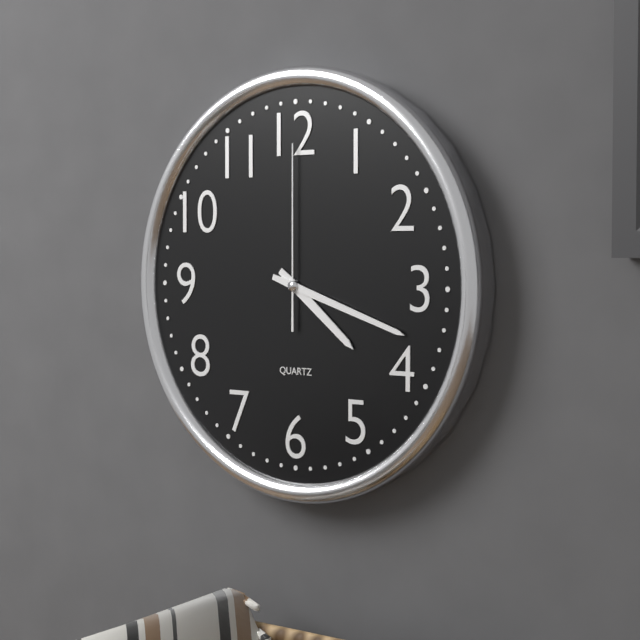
h=4 m=18 s=0
